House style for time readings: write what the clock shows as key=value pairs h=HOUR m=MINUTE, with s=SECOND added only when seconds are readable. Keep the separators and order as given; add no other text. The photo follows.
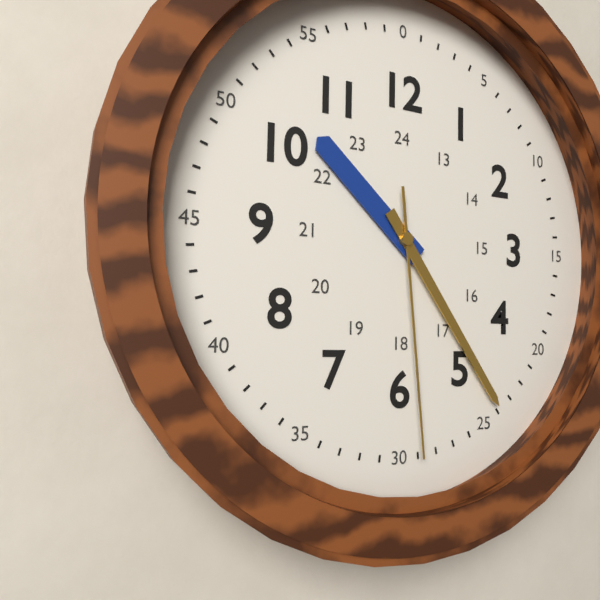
h=10 m=24 s=29
